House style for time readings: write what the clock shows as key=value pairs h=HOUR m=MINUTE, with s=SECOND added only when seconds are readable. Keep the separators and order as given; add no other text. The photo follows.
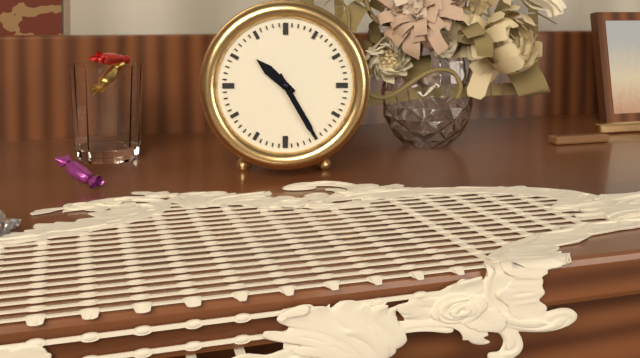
h=10 m=25
